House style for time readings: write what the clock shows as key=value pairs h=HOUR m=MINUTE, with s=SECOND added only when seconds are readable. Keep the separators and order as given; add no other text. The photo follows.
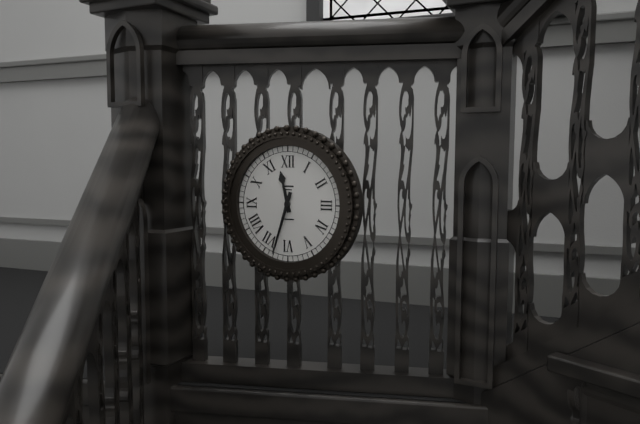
h=11 m=33
